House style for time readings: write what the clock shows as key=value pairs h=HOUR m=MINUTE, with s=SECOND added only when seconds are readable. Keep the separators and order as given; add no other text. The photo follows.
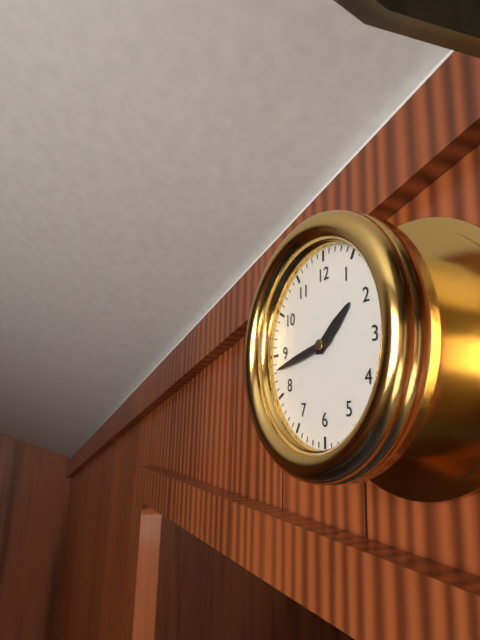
h=1 m=43
